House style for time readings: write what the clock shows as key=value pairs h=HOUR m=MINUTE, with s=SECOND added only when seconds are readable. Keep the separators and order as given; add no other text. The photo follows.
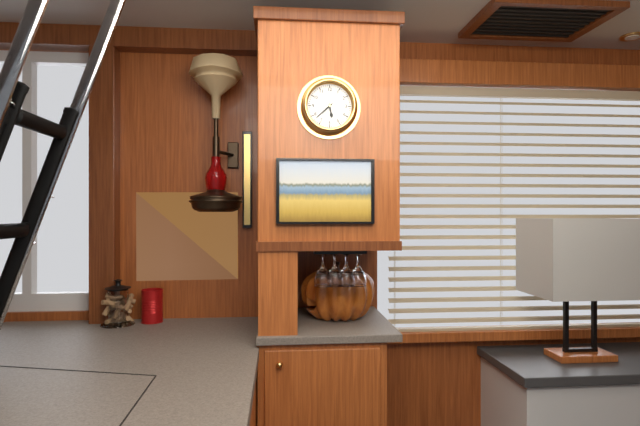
h=5 m=38
